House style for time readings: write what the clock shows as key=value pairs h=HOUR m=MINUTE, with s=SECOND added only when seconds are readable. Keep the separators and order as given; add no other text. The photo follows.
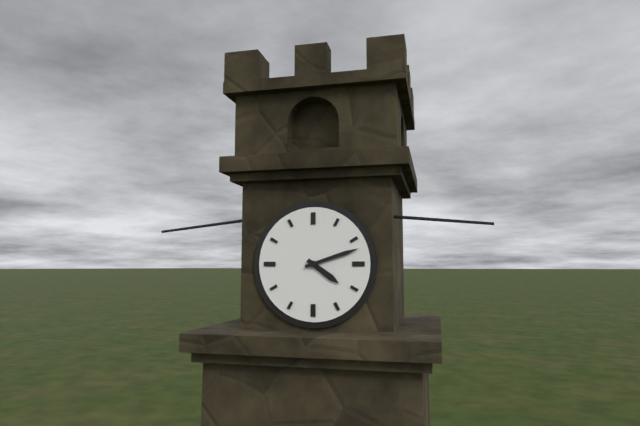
h=4 m=12
